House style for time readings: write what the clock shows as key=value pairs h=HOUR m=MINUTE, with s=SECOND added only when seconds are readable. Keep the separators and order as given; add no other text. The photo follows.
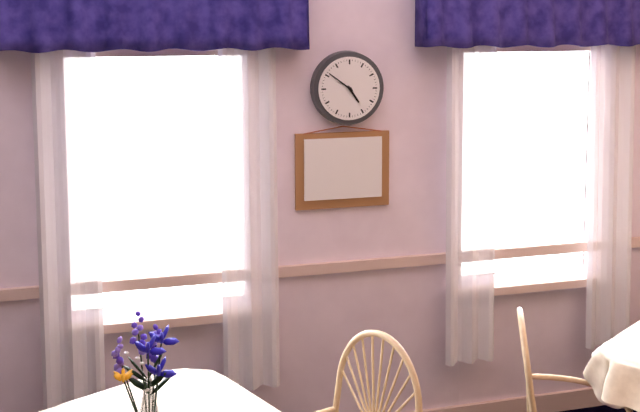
h=4 m=51
